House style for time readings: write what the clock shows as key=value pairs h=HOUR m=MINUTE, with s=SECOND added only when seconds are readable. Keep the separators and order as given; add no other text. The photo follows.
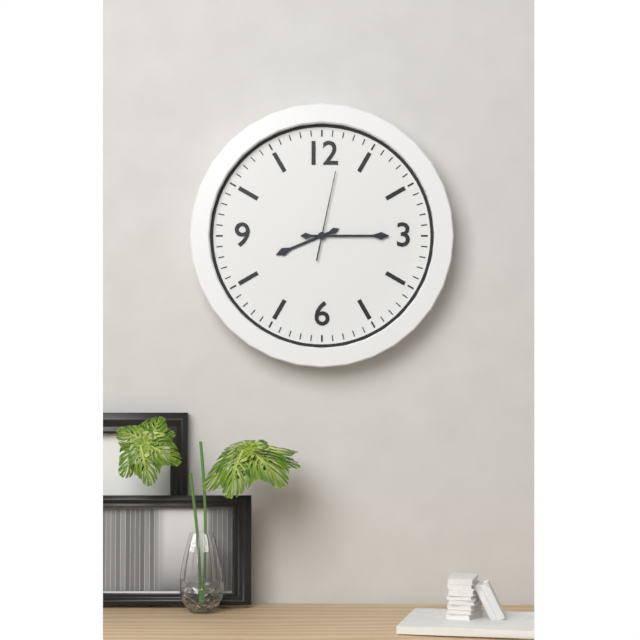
h=8 m=15 s=2
